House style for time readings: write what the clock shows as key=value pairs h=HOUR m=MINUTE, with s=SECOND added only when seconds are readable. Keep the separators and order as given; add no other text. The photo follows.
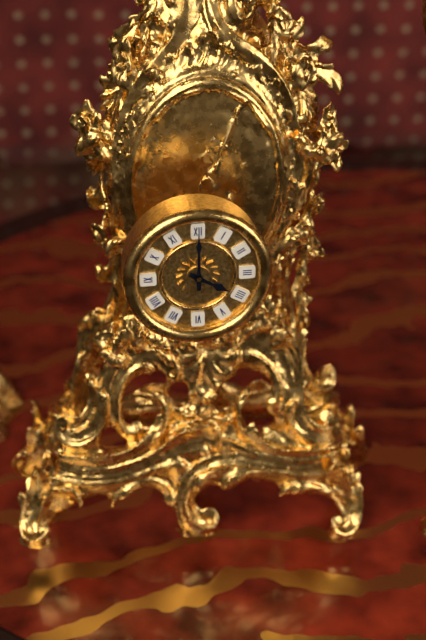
h=4 m=0
